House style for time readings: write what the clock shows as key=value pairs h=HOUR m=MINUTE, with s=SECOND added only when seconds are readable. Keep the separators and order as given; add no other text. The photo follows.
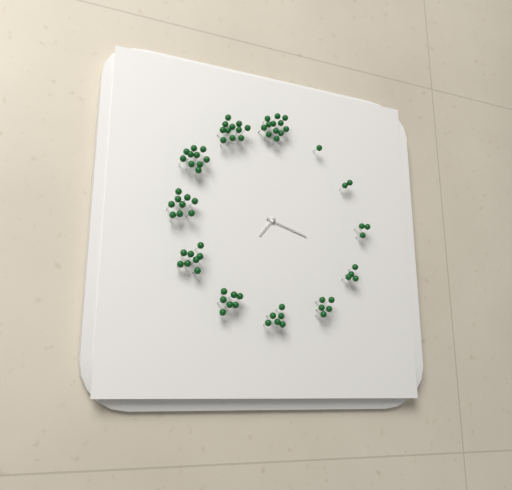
h=7 m=18
